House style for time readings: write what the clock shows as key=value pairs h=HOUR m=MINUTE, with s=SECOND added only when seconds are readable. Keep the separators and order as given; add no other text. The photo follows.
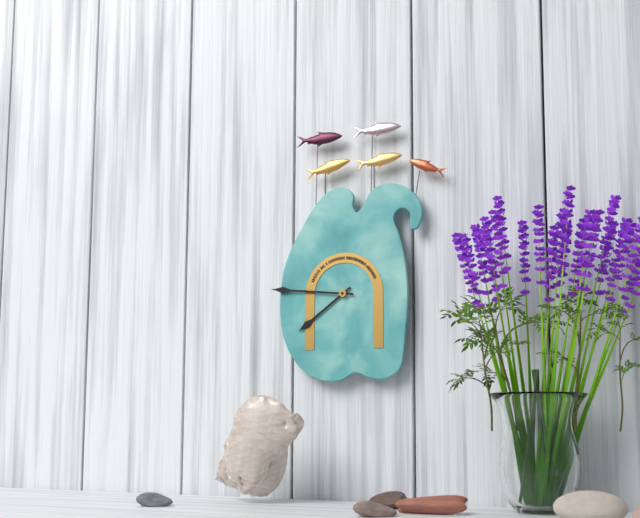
h=7 m=46
